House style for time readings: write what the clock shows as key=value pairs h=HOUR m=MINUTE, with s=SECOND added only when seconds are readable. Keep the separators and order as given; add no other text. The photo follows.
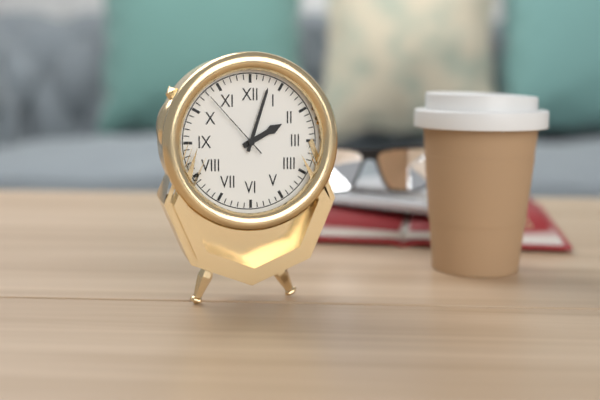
h=2 m=3 s=53
